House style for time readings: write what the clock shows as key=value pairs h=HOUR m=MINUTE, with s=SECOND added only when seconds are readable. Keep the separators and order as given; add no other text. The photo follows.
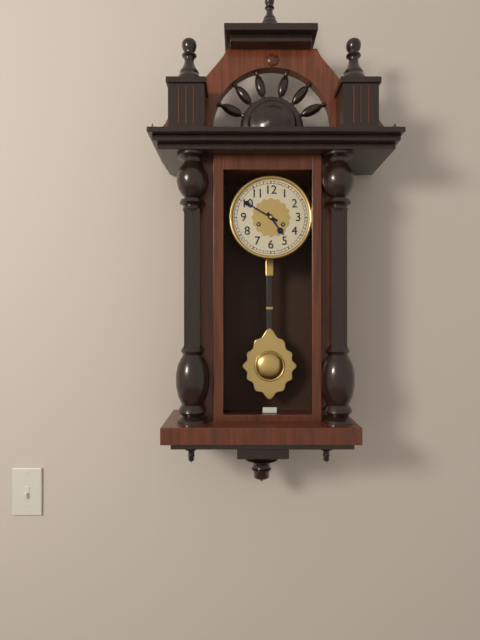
h=4 m=50
